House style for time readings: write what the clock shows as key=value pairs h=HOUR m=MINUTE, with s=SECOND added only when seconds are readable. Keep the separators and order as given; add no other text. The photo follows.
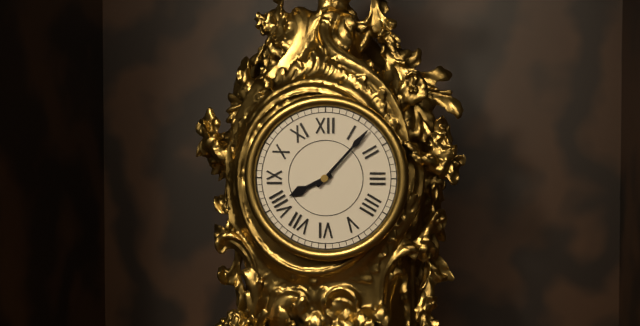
h=8 m=7
